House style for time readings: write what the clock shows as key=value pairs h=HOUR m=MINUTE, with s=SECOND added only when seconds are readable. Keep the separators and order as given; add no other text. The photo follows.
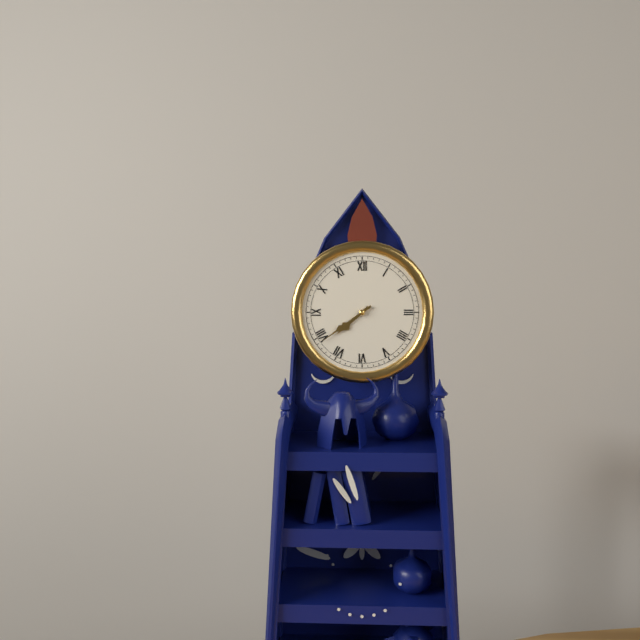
h=7 m=39
